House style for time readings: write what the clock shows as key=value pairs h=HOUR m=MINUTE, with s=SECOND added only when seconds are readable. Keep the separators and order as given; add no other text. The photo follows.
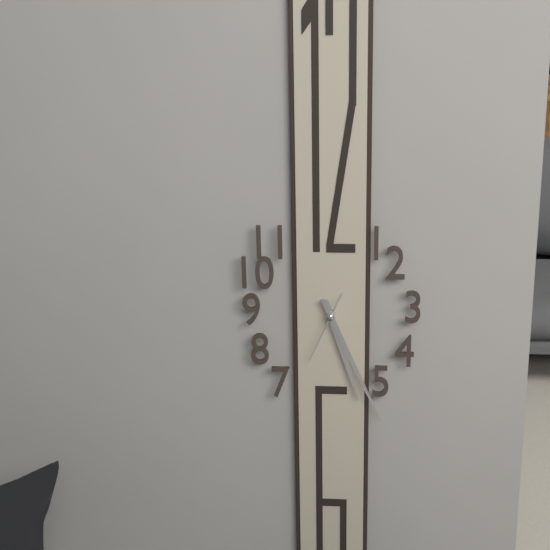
h=5 m=26 s=34
